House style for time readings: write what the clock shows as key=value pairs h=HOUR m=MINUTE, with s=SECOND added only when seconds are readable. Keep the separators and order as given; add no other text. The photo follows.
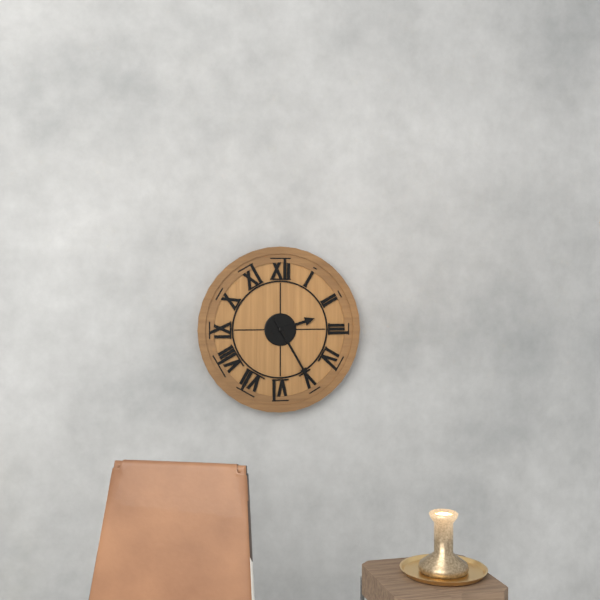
h=2 m=25
